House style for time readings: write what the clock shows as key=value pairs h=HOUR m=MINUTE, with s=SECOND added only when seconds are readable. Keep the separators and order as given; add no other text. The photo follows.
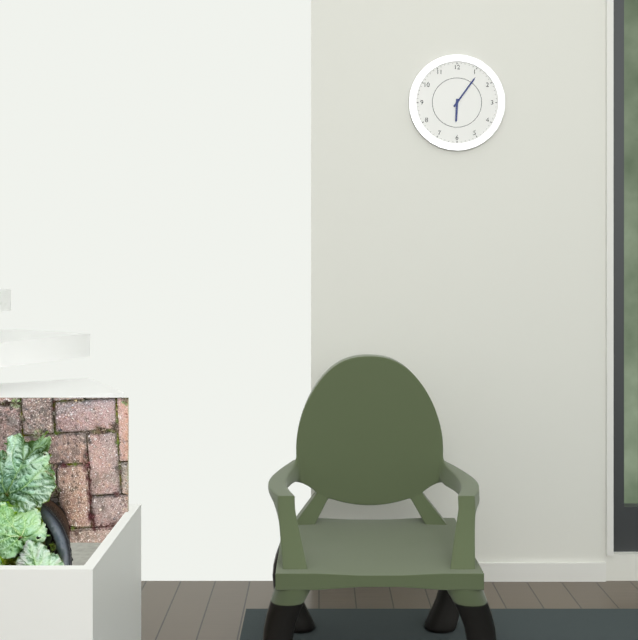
h=6 m=6
